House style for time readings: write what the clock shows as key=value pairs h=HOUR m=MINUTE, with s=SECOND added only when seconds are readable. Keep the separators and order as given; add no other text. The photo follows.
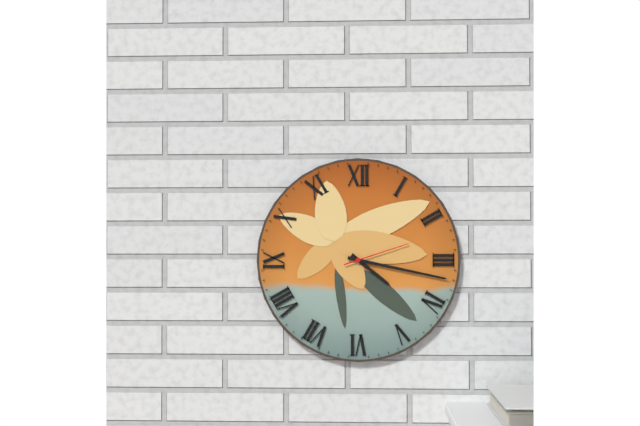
h=4 m=17 s=12
